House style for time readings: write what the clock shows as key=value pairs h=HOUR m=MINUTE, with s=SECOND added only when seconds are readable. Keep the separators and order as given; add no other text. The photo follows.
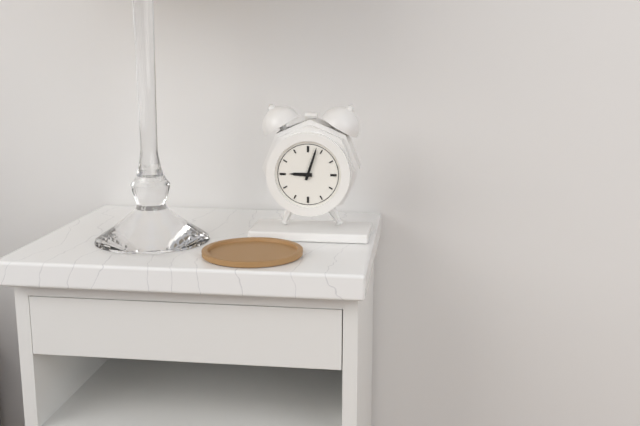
h=9 m=3
